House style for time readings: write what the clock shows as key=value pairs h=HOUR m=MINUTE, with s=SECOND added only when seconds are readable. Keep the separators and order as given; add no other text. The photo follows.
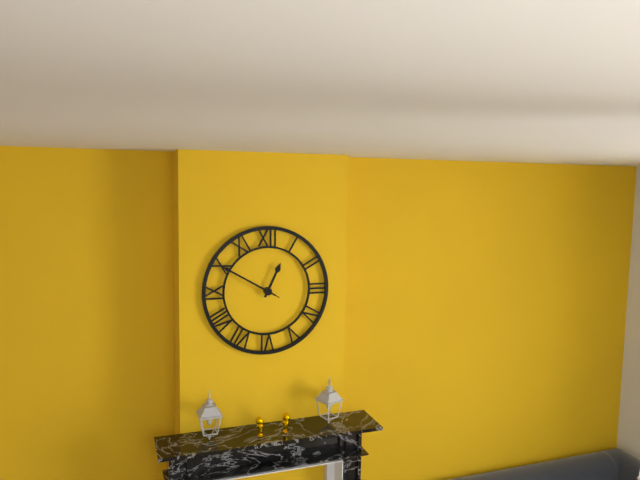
h=12 m=50 s=50
